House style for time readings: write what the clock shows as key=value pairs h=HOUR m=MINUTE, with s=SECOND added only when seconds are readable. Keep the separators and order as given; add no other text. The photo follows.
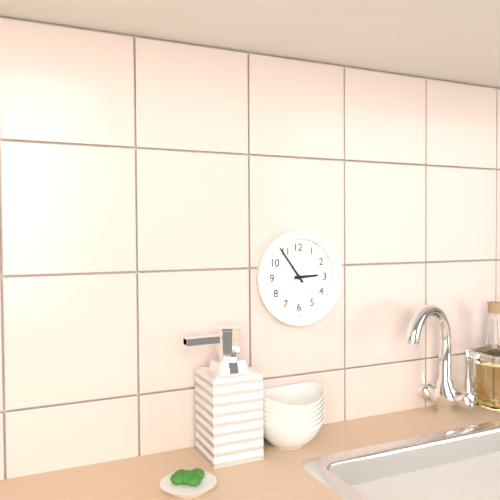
h=2 m=54
